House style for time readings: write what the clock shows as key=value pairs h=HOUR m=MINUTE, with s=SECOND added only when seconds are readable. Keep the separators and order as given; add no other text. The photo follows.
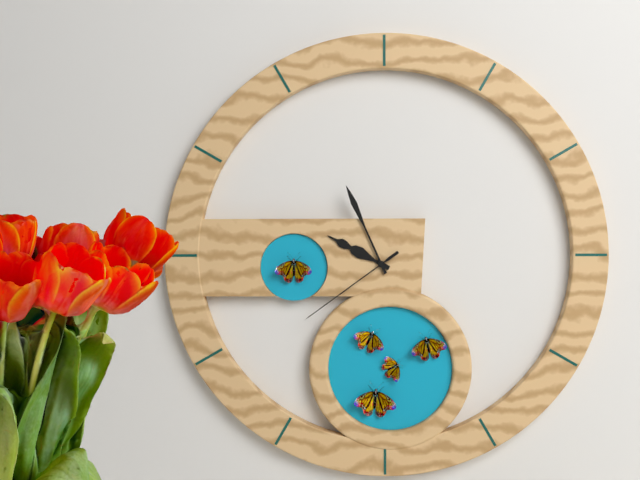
h=9 m=56 s=39
